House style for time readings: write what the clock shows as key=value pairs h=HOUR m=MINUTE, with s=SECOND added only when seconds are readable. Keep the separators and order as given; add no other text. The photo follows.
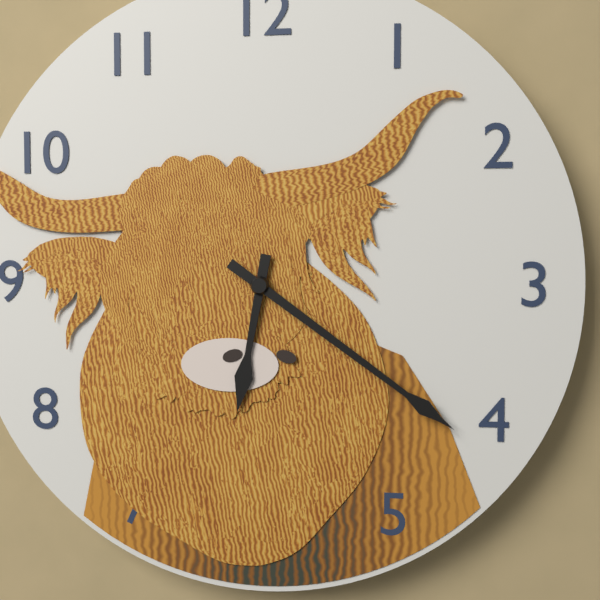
h=6 m=21
